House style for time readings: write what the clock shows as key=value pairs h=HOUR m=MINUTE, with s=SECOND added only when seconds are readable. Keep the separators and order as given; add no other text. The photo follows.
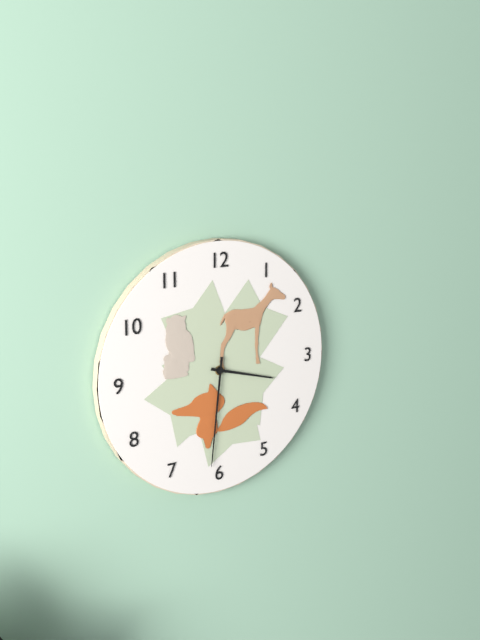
h=3 m=31
